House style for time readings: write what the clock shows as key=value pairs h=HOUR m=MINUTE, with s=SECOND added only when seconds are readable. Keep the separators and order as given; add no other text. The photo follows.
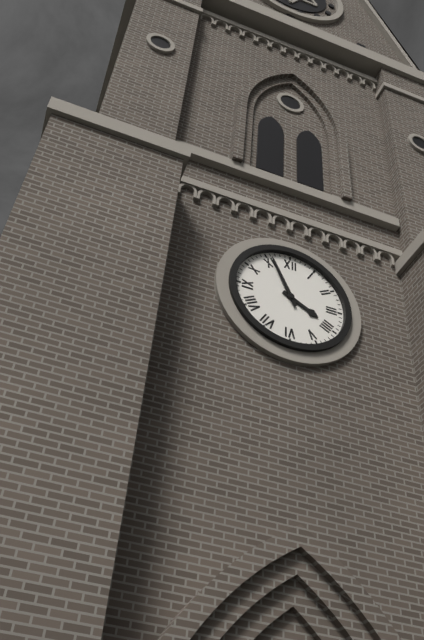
h=3 m=56
